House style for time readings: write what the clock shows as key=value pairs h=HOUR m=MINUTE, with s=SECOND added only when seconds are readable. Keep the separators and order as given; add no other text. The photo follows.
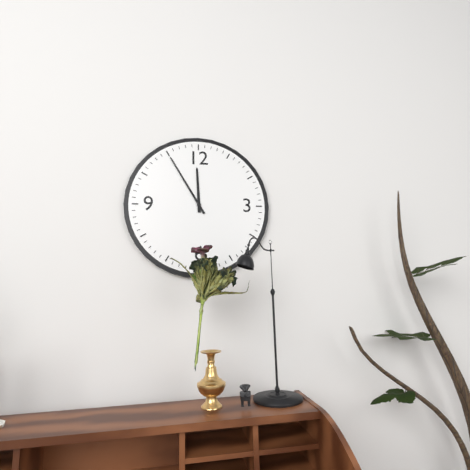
h=11 m=55
